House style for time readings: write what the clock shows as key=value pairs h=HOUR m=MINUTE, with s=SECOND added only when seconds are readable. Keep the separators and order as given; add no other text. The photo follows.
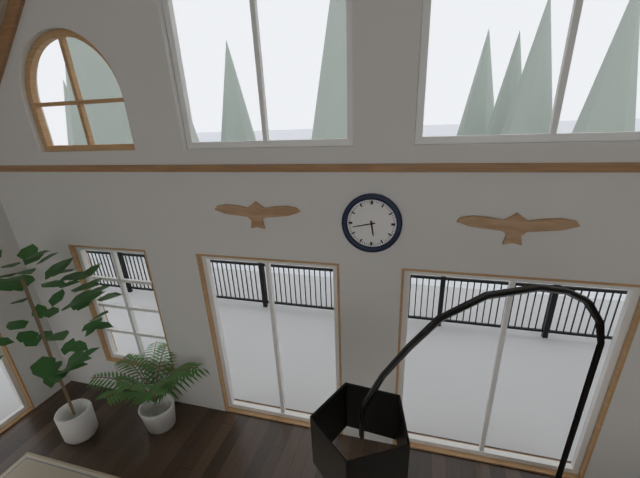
h=5 m=43
